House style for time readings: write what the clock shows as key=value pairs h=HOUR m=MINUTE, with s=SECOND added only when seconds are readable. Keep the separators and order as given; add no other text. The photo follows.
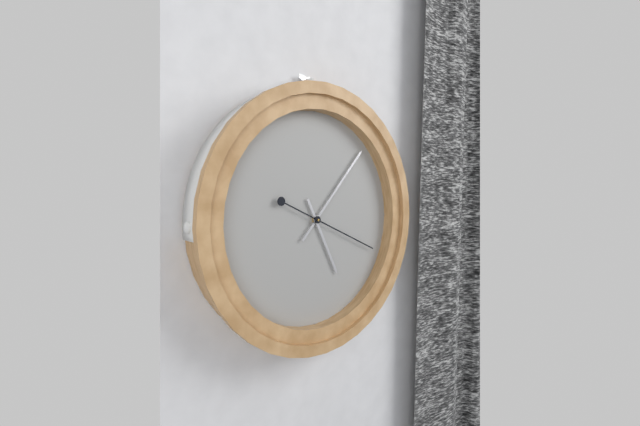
h=5 m=7 s=19
